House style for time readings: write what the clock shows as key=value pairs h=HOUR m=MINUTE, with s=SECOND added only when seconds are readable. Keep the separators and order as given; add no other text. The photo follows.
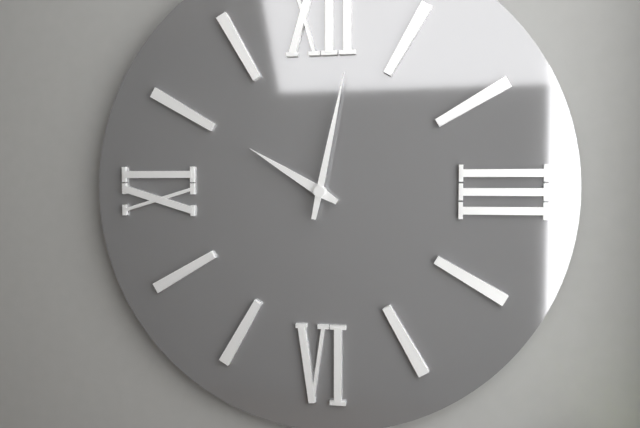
h=10 m=2
